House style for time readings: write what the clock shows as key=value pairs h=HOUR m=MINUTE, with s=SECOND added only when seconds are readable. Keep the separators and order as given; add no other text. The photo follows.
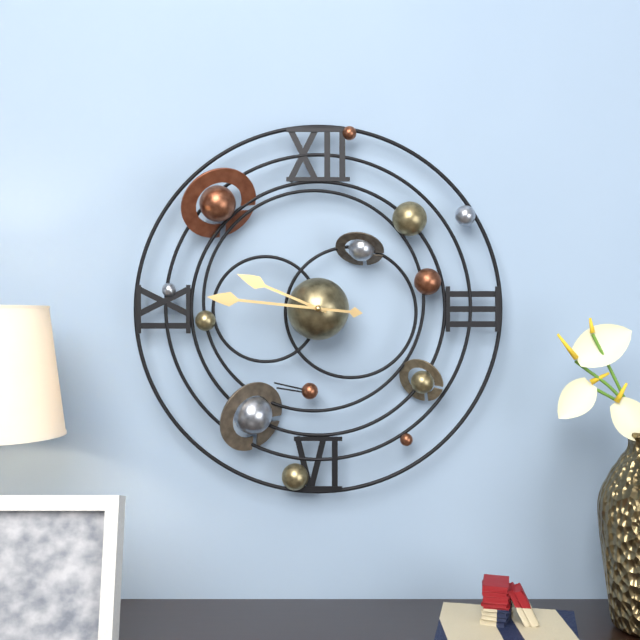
h=9 m=46
